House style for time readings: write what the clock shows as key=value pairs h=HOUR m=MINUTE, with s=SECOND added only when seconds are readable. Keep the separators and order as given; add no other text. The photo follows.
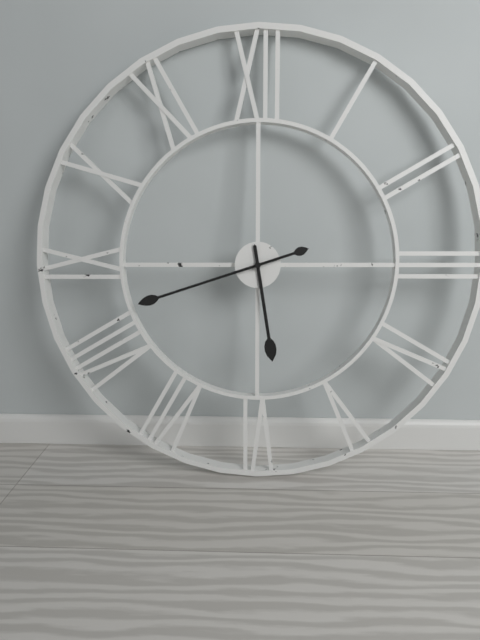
h=5 m=42
